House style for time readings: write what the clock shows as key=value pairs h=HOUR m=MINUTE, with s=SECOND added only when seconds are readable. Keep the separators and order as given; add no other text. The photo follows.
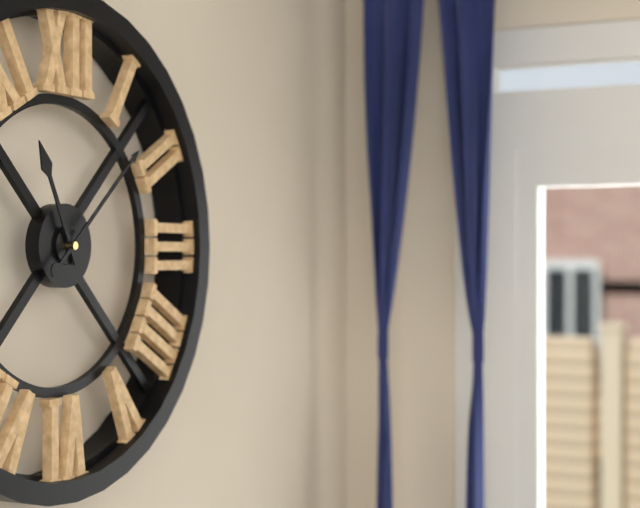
h=11 m=8
